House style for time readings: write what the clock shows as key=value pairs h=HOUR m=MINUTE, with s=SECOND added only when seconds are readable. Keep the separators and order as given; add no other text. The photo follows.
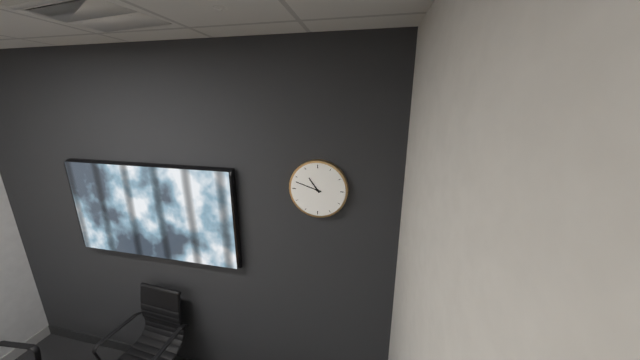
h=10 m=48
